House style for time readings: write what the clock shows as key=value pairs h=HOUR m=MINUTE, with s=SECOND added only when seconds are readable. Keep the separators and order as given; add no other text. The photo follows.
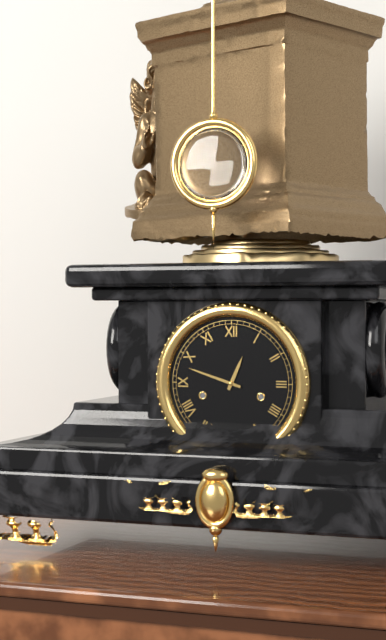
h=12 m=48
